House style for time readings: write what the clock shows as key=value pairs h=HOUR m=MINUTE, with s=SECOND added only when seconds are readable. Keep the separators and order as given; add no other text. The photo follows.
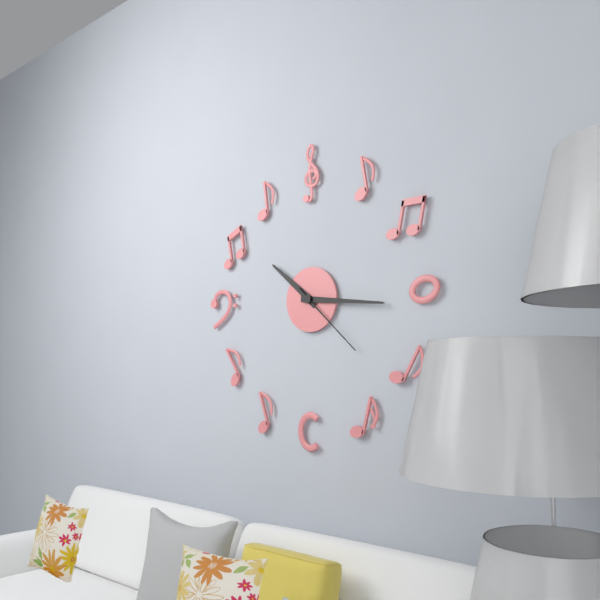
h=10 m=16 s=22
